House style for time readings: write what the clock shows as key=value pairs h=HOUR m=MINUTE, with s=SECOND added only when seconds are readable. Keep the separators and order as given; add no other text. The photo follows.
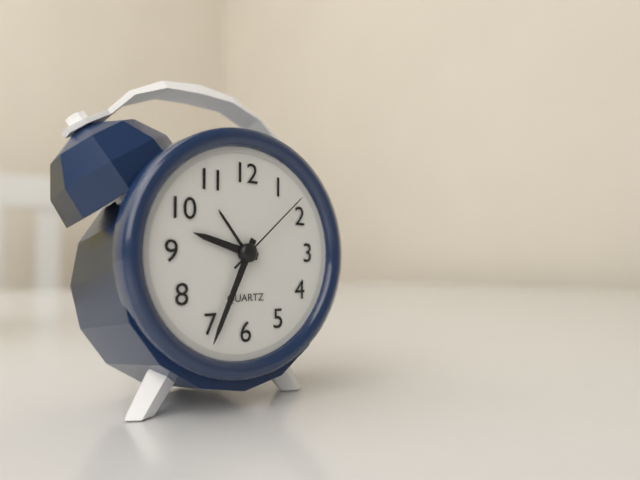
h=9 m=34 s=8
